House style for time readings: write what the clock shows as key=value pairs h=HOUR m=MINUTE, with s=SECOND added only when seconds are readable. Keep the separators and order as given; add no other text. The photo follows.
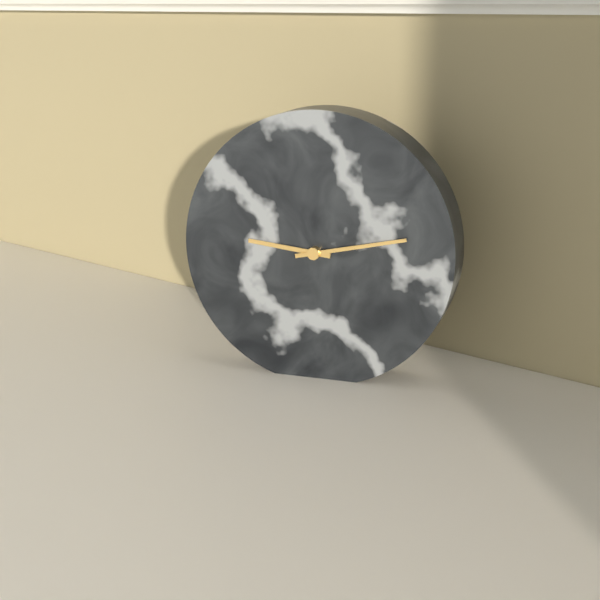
h=9 m=13
